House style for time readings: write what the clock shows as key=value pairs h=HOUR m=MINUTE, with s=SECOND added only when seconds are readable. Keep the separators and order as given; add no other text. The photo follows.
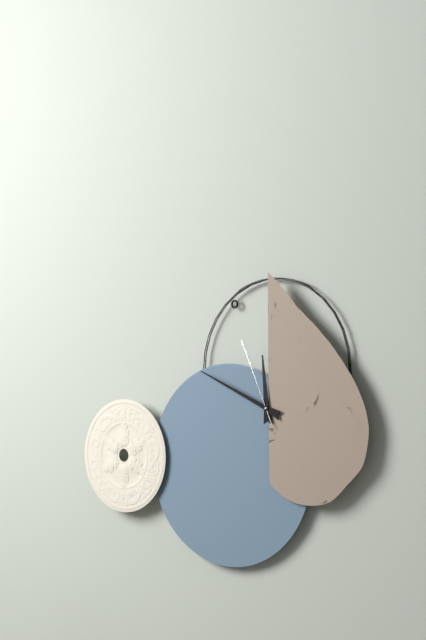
h=11 m=49 s=56
